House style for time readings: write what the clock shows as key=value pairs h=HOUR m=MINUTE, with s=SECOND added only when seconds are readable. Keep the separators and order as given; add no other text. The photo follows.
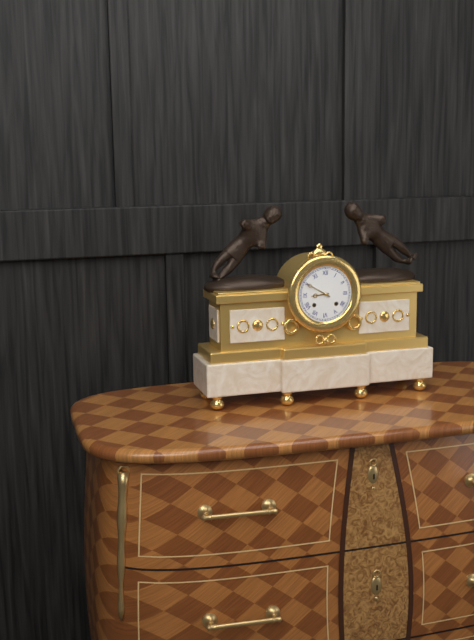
h=8 m=50
